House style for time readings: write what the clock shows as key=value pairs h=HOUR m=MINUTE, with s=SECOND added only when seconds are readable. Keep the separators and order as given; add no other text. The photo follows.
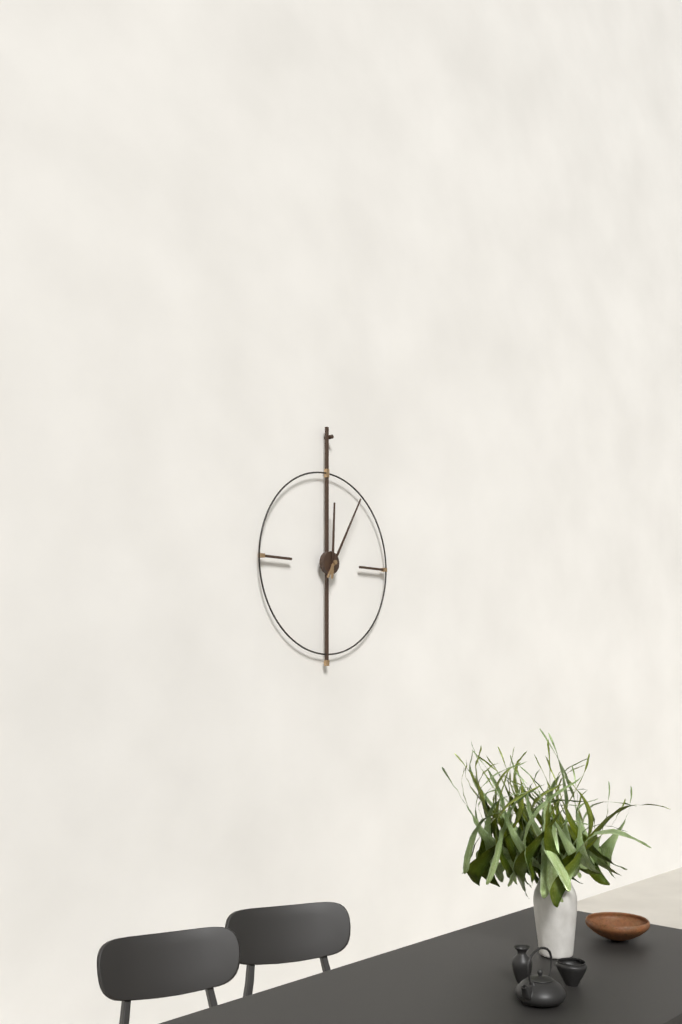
h=12 m=5
